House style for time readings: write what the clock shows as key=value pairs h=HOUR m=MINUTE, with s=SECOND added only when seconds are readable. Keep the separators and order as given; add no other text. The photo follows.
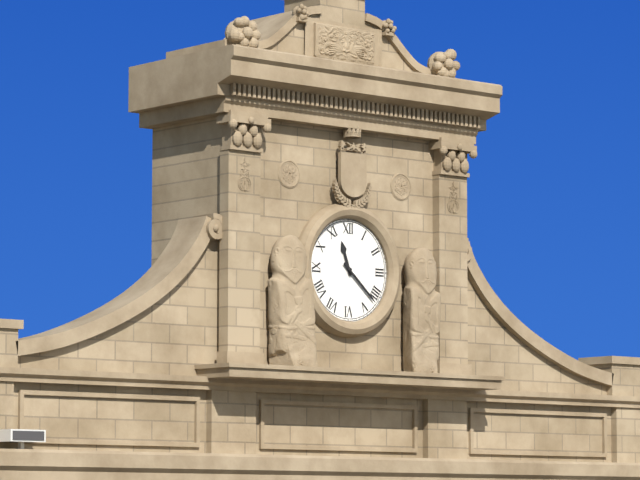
h=11 m=22
